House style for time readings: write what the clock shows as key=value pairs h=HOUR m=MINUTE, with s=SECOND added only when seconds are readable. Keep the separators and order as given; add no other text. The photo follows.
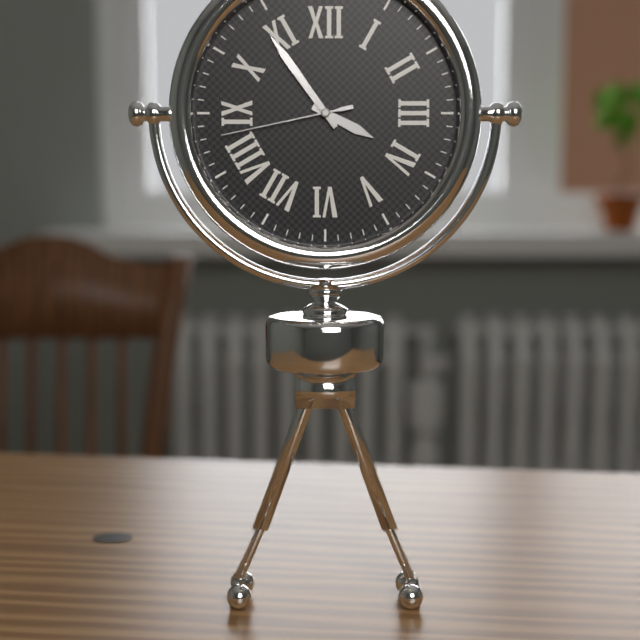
h=3 m=54 s=43
